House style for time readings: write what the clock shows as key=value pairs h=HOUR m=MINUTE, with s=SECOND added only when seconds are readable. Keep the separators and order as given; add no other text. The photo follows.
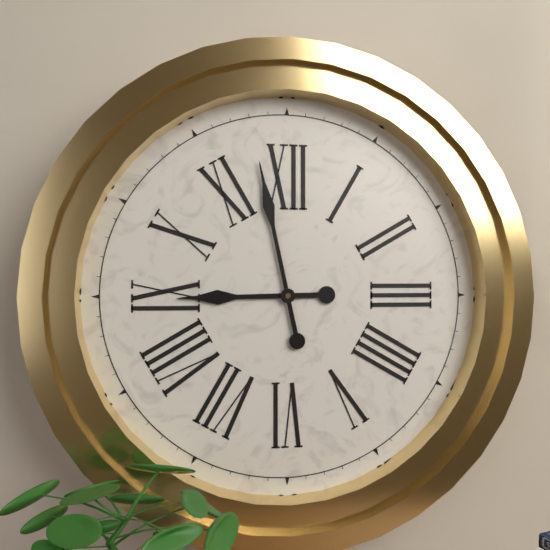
h=8 m=58
